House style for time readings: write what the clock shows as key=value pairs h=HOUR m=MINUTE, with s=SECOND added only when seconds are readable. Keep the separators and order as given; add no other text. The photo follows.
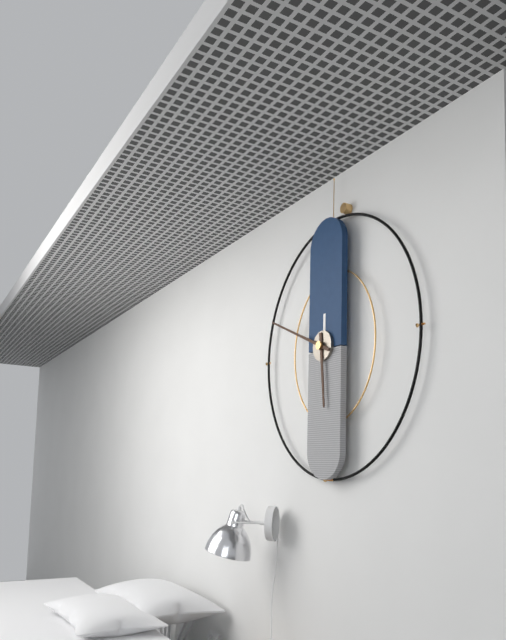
h=5 m=49
